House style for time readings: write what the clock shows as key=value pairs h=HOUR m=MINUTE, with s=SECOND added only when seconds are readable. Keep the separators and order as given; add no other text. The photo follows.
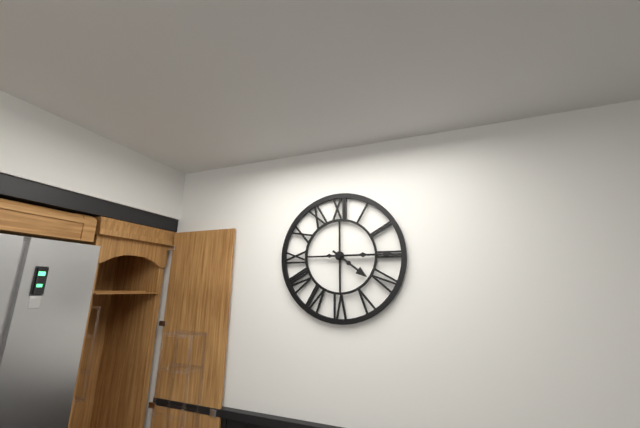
h=4 m=15
